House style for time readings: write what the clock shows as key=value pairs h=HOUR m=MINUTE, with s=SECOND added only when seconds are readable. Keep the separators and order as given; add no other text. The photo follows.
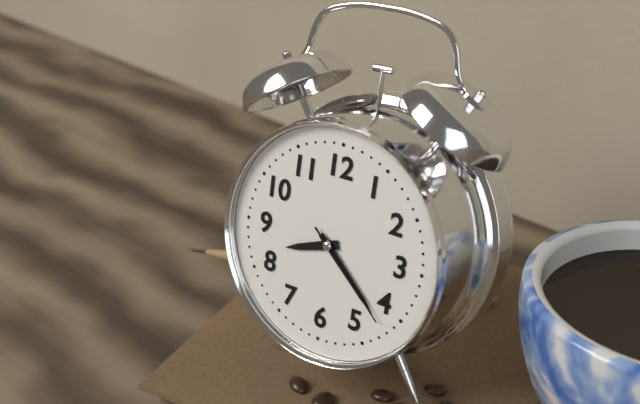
h=8 m=22 s=22
